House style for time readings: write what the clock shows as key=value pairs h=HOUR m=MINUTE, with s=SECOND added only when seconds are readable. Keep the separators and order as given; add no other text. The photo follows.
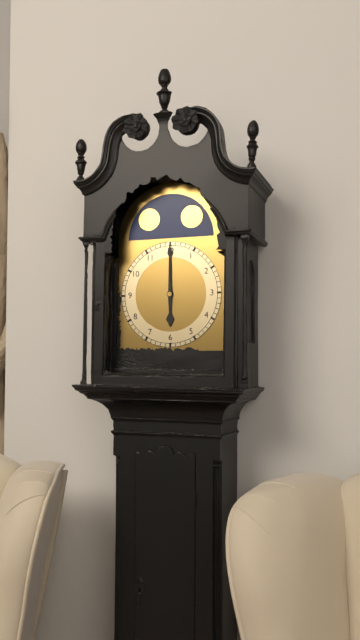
h=6 m=0
